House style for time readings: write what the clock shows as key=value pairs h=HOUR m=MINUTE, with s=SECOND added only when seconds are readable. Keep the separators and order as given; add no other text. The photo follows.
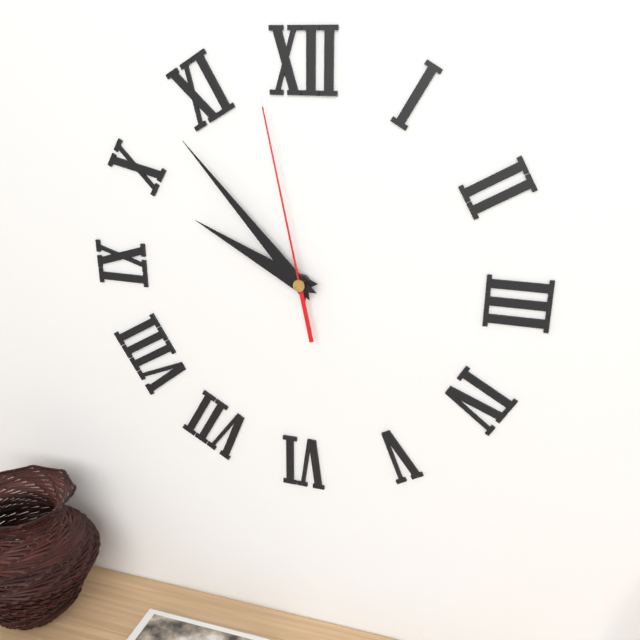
h=9 m=53 s=58
